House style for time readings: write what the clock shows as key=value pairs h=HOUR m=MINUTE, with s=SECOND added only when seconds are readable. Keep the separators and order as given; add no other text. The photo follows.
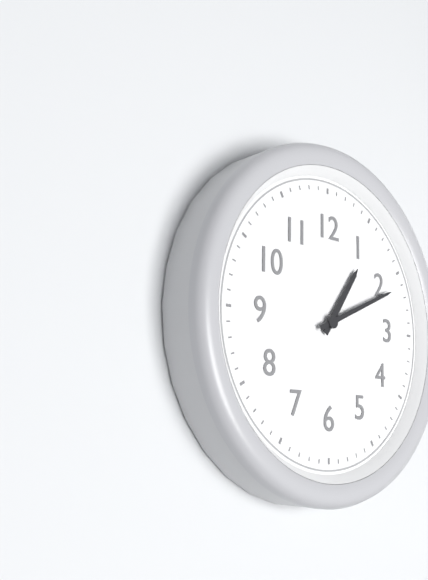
h=1 m=11
